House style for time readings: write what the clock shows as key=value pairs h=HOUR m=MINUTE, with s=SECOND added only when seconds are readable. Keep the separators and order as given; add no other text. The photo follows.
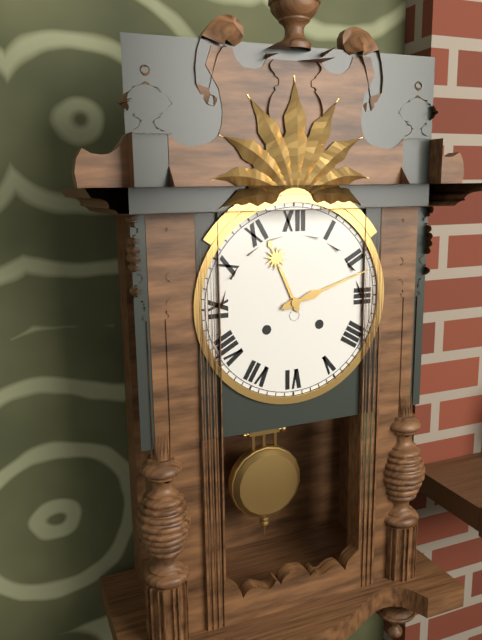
h=11 m=12
